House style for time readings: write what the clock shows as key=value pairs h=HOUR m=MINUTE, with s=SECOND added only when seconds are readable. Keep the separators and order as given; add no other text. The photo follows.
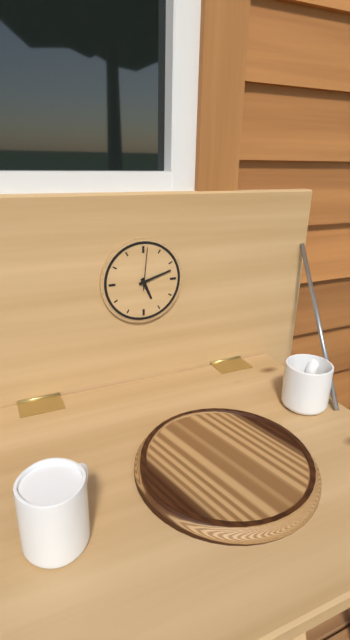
h=5 m=12
